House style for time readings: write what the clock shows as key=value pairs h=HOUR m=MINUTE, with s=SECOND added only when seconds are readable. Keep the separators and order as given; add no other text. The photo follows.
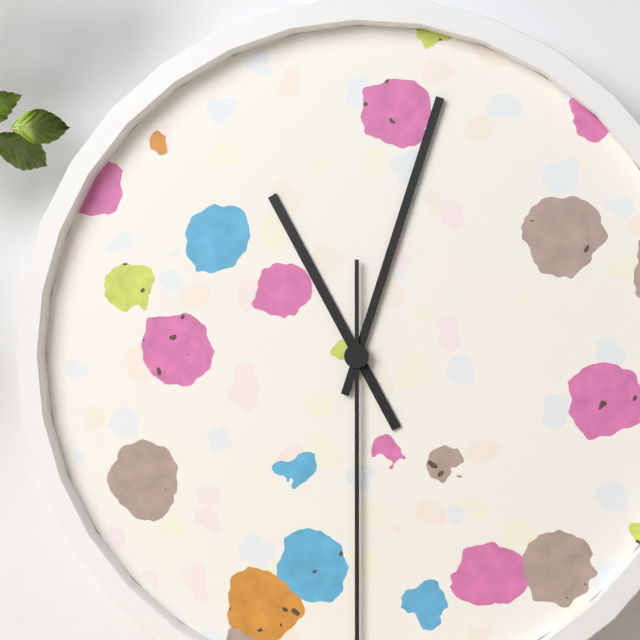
h=11 m=3
